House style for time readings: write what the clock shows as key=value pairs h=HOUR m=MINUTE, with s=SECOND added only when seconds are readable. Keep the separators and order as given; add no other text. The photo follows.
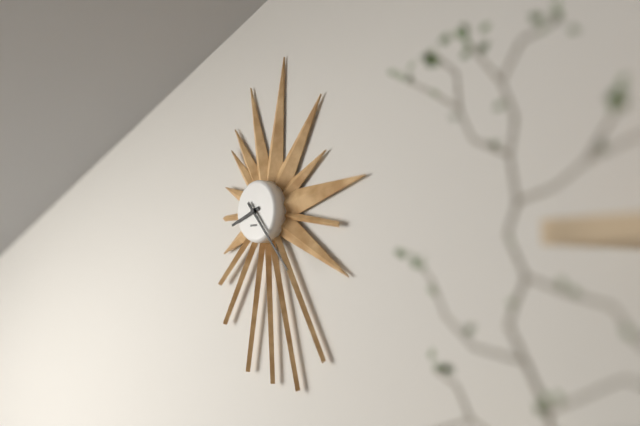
h=8 m=23
